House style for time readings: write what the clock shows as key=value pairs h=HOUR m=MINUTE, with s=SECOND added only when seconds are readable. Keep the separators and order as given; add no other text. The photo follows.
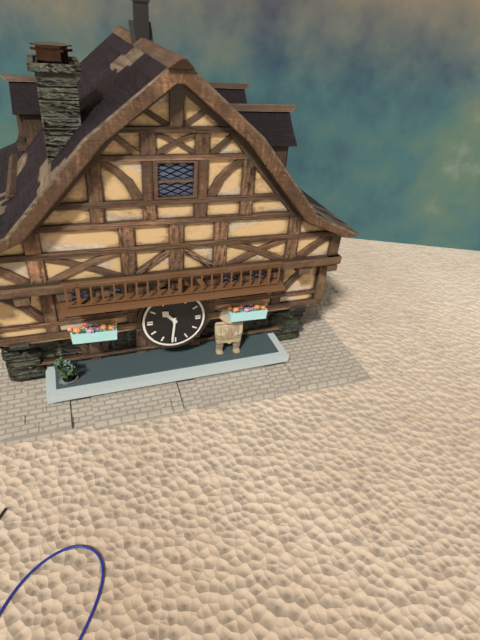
h=10 m=31
